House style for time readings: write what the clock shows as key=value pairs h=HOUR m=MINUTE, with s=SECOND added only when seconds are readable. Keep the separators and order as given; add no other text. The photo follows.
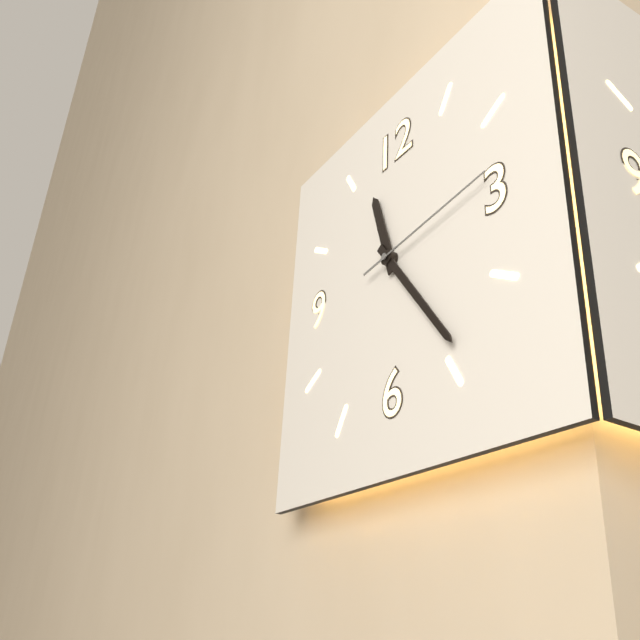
h=11 m=24 s=14
